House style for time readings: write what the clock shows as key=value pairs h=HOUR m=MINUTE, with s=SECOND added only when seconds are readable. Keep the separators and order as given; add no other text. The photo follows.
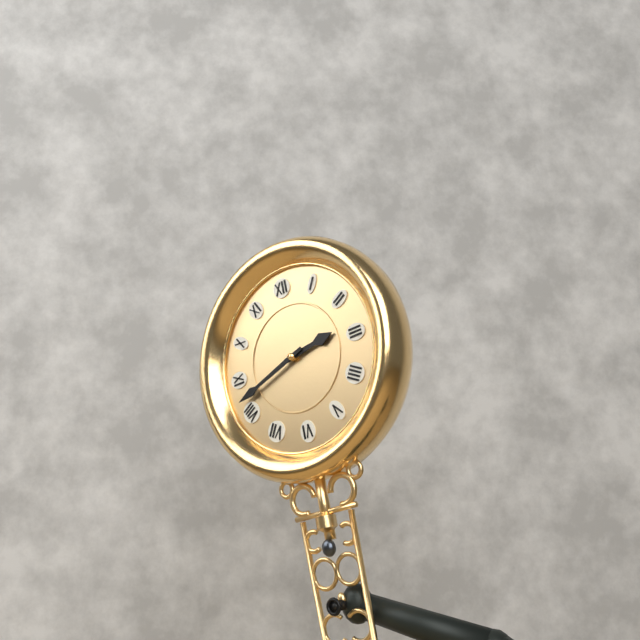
h=2 m=42
